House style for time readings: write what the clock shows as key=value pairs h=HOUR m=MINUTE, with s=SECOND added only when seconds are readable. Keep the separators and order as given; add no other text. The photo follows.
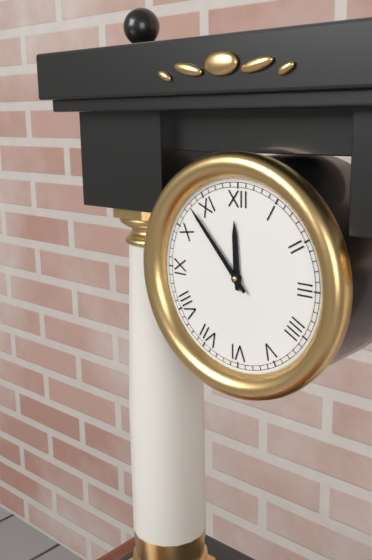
h=11 m=53
